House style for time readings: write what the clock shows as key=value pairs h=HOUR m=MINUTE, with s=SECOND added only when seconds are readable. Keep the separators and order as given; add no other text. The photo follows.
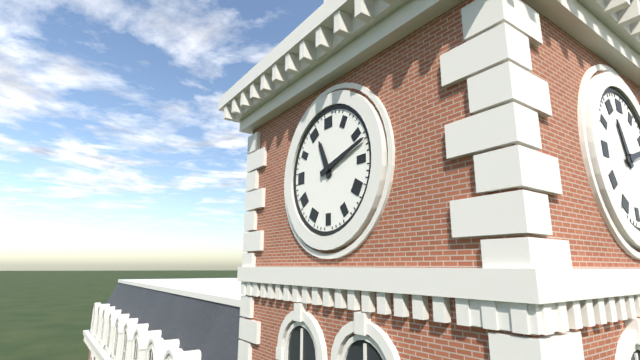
h=11 m=12
